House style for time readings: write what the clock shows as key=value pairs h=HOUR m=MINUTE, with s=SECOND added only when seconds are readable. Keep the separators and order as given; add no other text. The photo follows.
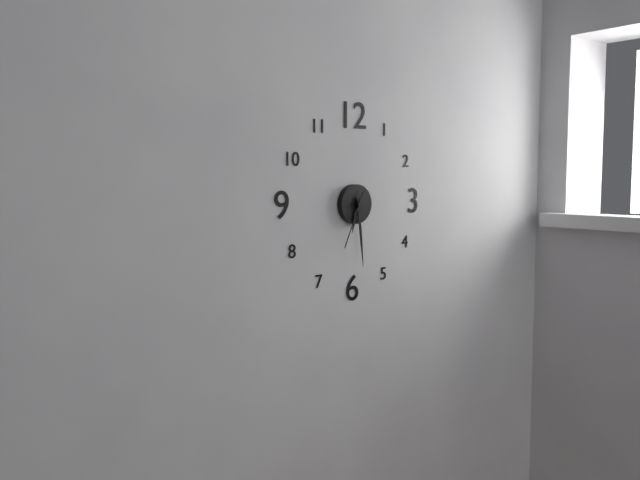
h=6 m=29 s=34
